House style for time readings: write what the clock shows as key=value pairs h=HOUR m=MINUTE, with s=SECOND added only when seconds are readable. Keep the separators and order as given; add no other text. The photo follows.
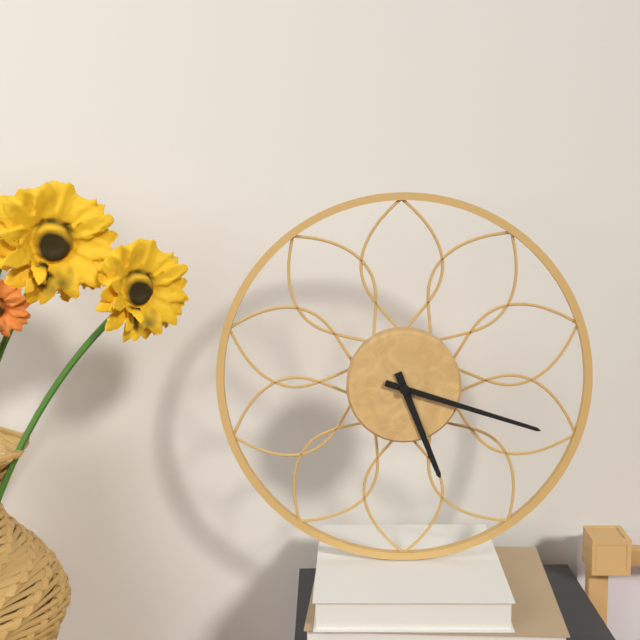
h=5 m=18
